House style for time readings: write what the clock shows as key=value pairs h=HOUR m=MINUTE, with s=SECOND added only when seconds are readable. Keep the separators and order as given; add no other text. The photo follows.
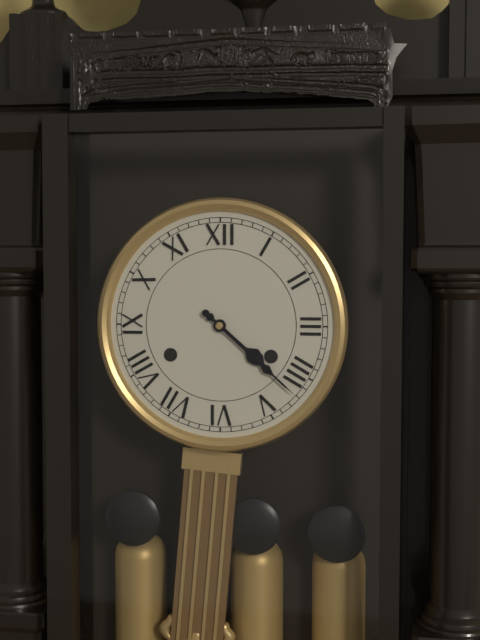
h=4 m=22
